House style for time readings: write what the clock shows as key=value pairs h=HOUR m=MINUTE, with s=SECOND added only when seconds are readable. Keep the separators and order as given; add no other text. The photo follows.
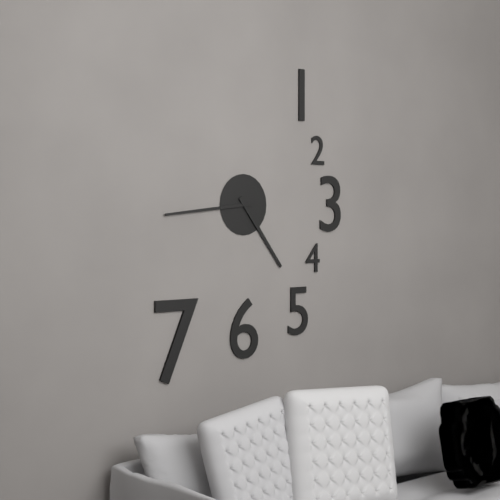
h=4 m=44
